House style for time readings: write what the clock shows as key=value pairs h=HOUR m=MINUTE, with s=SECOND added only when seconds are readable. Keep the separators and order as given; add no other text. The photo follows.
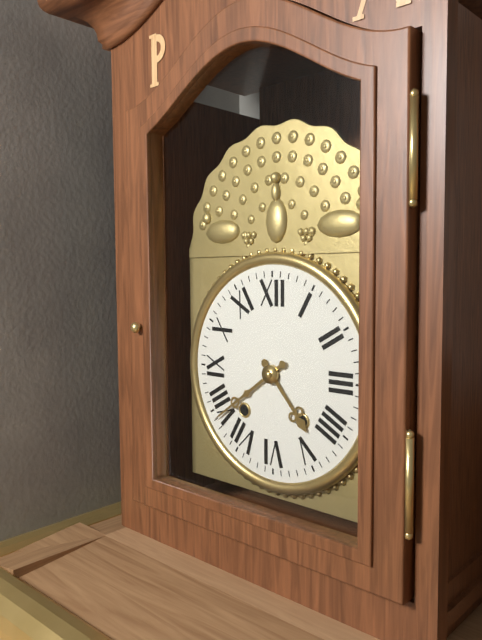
h=4 m=39
